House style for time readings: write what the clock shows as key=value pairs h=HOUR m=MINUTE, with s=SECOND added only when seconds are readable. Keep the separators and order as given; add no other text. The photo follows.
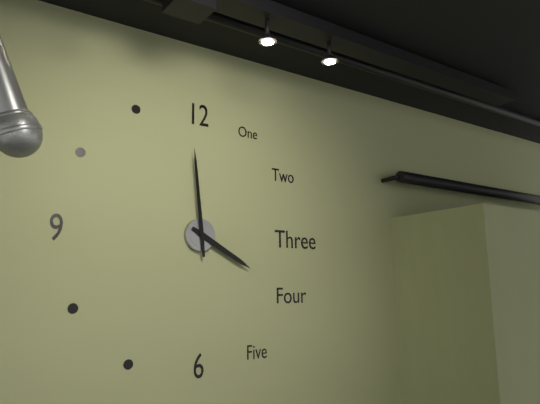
h=3 m=59
